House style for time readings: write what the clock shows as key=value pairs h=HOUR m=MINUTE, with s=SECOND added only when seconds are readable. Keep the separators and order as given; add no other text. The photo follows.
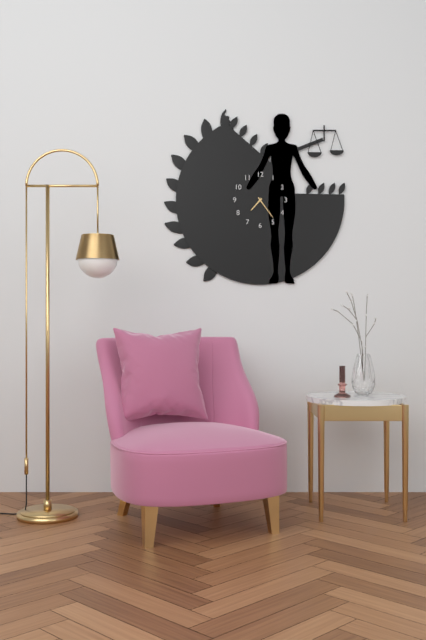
h=7 m=24
